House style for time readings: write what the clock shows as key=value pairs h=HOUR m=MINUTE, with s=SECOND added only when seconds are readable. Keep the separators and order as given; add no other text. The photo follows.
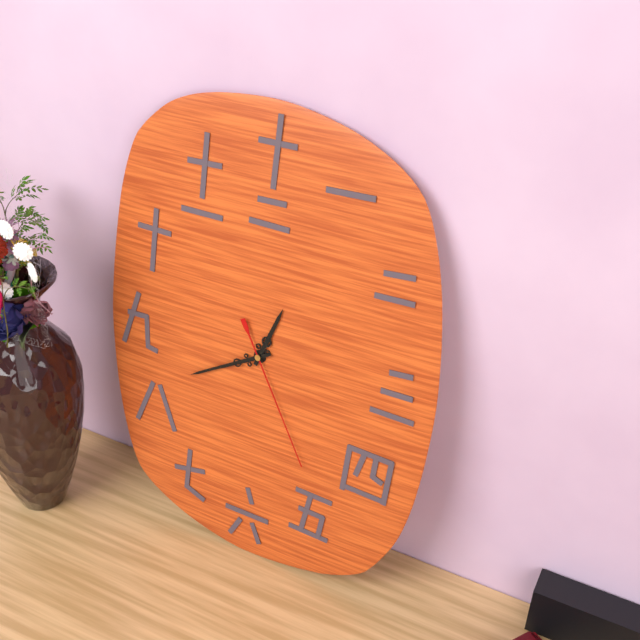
h=12 m=40 s=25
